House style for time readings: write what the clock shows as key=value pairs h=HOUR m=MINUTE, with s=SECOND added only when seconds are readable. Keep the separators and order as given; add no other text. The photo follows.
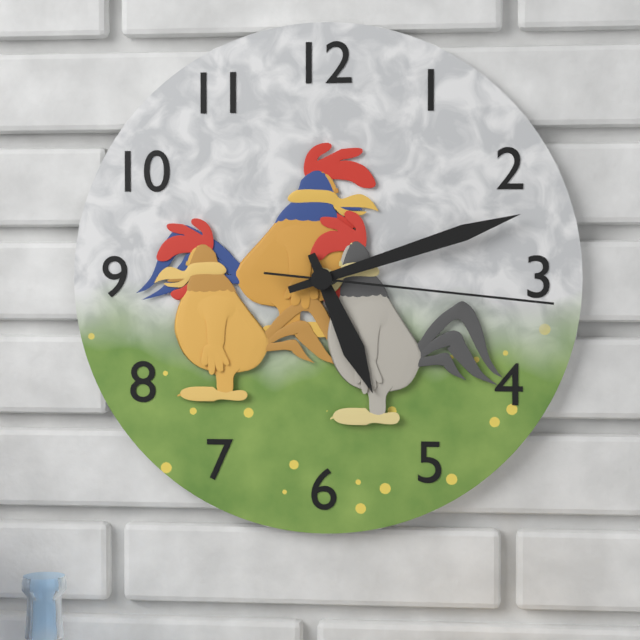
h=5 m=12 s=16
